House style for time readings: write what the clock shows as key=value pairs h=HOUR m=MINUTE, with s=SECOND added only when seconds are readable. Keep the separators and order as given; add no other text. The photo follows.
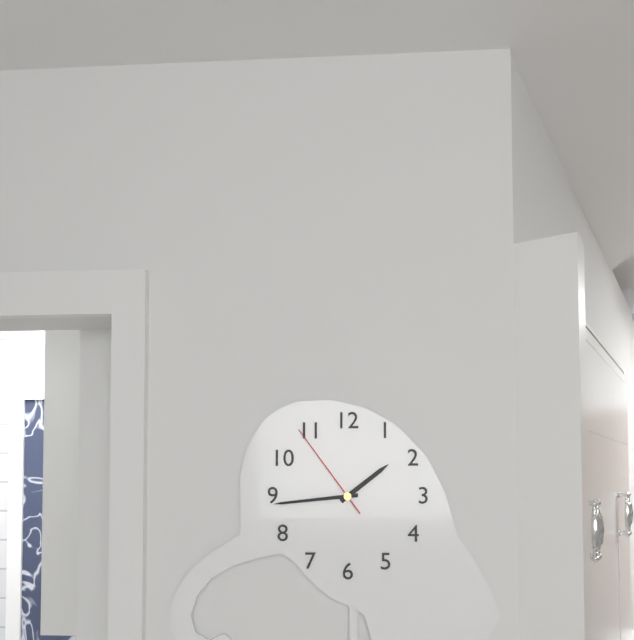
h=1 m=44 s=54
